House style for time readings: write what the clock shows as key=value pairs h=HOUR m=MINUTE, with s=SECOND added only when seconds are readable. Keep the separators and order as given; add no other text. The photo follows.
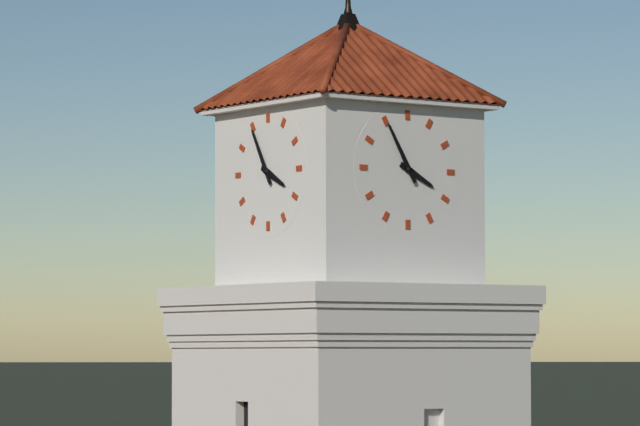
h=3 m=55
